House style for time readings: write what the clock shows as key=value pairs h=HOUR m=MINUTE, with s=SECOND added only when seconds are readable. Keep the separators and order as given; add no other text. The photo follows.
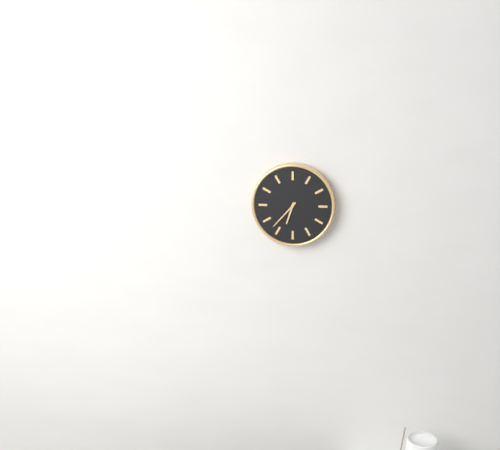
h=6 m=37
